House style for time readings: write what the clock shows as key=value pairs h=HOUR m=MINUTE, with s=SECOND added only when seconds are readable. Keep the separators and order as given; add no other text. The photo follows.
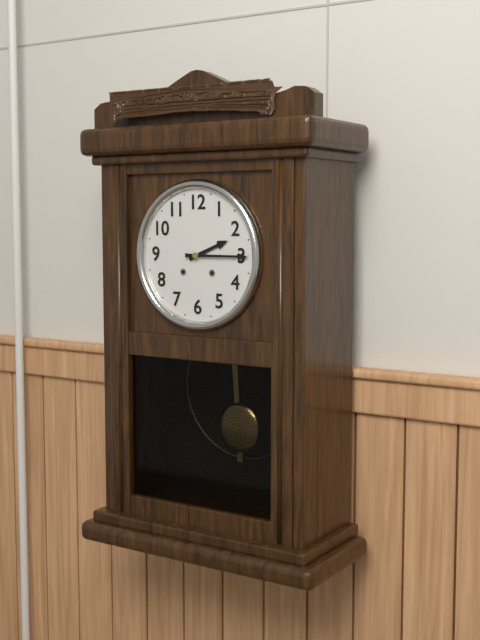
h=2 m=15
